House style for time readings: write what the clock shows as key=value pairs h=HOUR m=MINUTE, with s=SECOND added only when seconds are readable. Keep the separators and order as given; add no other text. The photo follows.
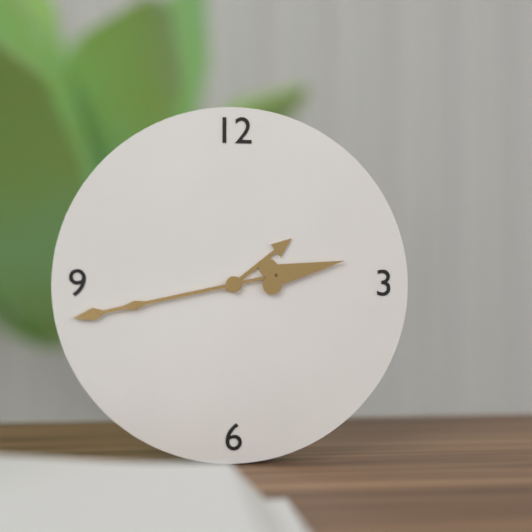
h=1 m=43
